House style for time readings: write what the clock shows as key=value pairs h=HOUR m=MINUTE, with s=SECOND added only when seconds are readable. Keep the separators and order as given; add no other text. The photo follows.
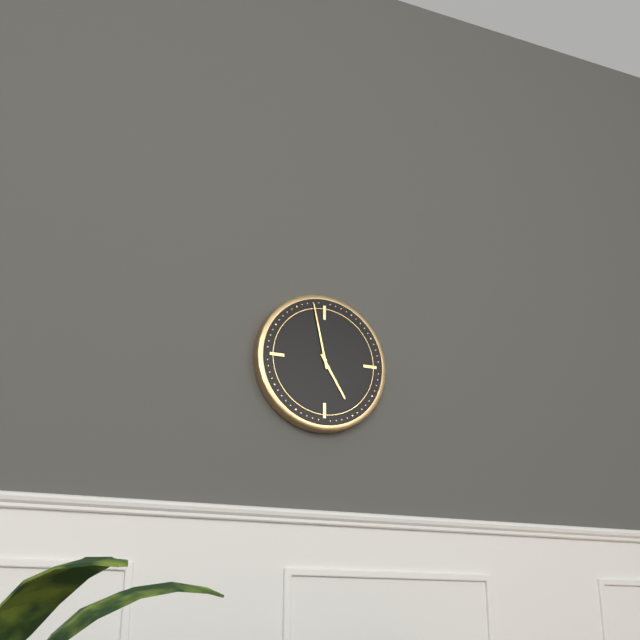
h=4 m=58
